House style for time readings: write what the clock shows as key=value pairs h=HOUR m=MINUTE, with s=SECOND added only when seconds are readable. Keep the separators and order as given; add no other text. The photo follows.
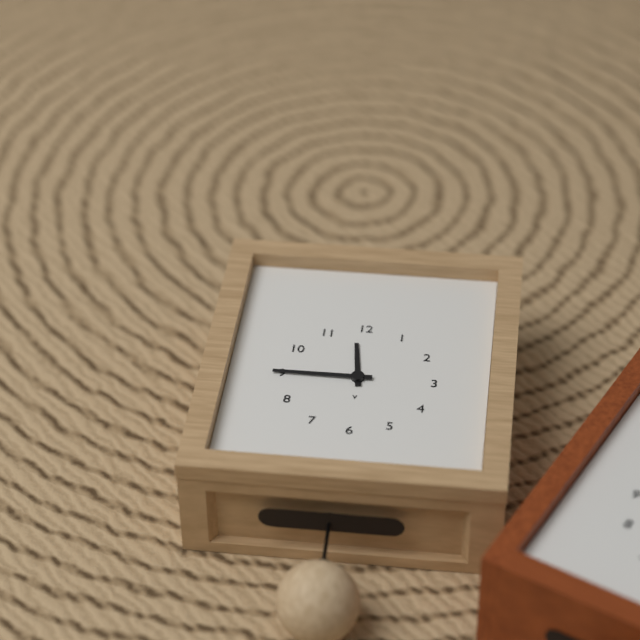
h=11 m=45
